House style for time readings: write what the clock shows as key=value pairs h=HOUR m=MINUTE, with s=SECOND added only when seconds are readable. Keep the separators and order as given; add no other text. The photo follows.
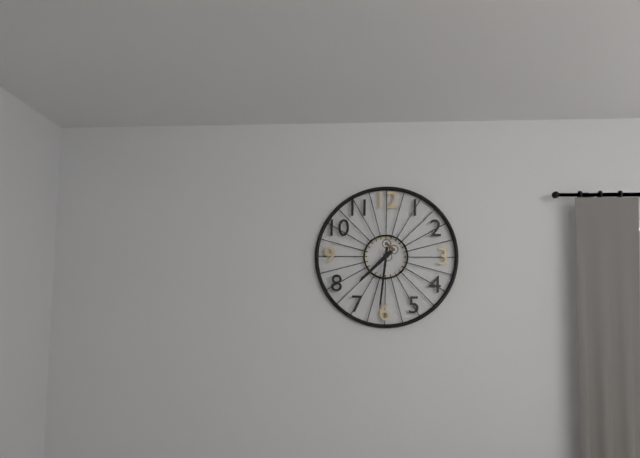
h=7 m=31
